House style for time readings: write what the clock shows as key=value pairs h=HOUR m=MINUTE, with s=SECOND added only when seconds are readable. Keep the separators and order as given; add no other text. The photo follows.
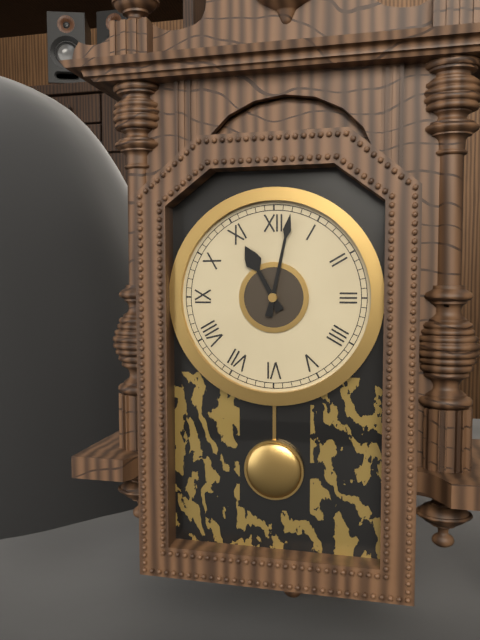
h=11 m=2
